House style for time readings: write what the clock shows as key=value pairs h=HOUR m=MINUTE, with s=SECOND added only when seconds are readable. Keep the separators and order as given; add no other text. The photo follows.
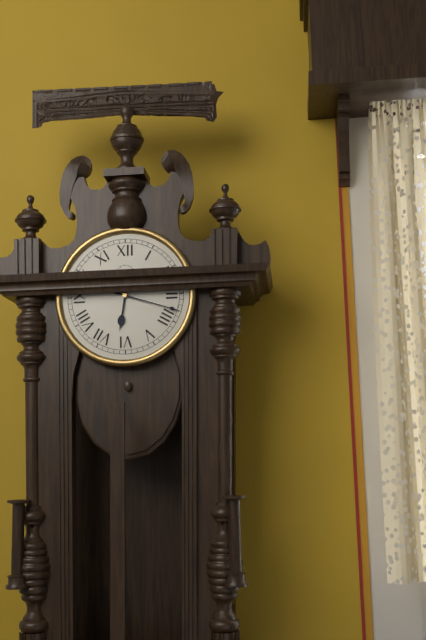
h=6 m=18
